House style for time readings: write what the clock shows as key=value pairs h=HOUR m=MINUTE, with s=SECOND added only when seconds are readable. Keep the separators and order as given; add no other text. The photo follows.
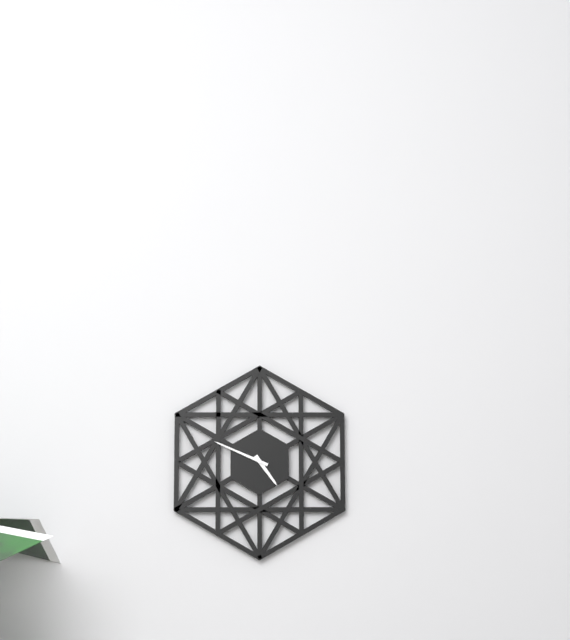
h=4 m=49
